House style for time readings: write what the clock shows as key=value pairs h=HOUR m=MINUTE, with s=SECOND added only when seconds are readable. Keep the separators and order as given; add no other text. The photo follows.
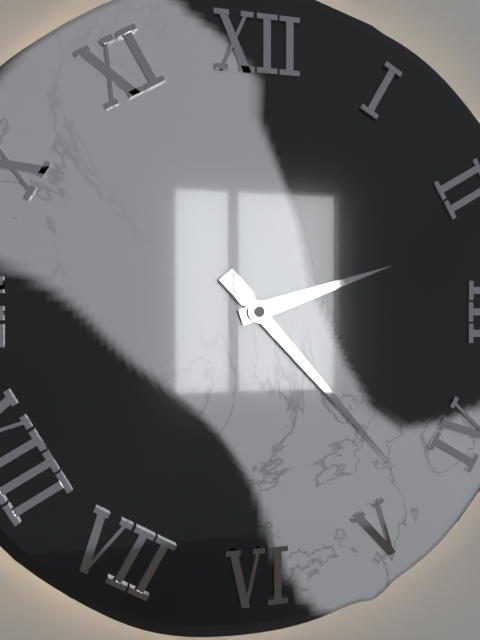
h=2 m=23
